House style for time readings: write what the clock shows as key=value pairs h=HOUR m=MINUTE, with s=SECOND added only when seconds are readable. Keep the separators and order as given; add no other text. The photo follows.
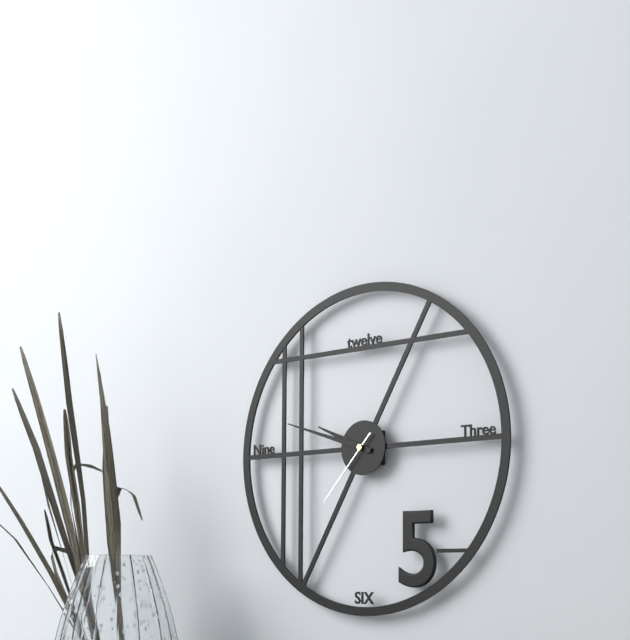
h=9 m=48 s=37
